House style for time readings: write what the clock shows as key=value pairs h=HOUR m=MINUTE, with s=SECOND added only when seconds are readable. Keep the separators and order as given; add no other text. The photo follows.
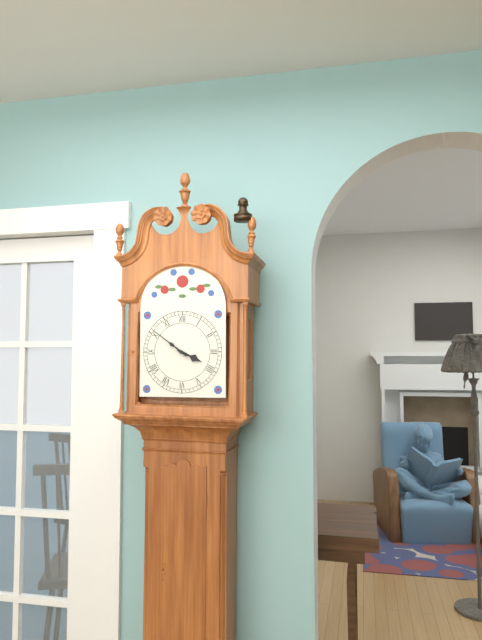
h=3 m=51
